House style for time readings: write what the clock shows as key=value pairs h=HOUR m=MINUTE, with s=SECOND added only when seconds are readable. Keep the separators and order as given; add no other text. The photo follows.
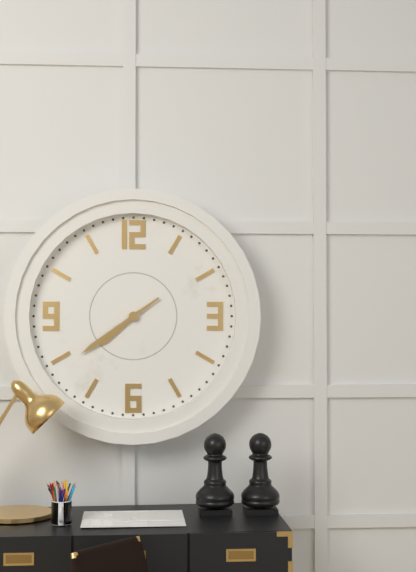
h=7 m=39
